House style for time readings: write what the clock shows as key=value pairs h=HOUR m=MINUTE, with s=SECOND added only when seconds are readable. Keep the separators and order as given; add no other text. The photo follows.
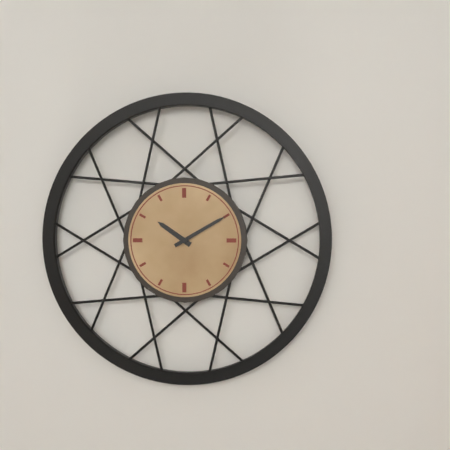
h=10 m=10
